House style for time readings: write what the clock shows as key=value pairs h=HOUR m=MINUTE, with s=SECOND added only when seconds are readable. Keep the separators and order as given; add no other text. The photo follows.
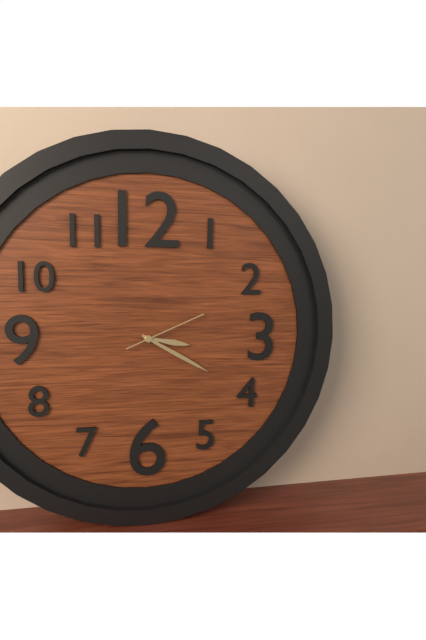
h=3 m=20 s=11
